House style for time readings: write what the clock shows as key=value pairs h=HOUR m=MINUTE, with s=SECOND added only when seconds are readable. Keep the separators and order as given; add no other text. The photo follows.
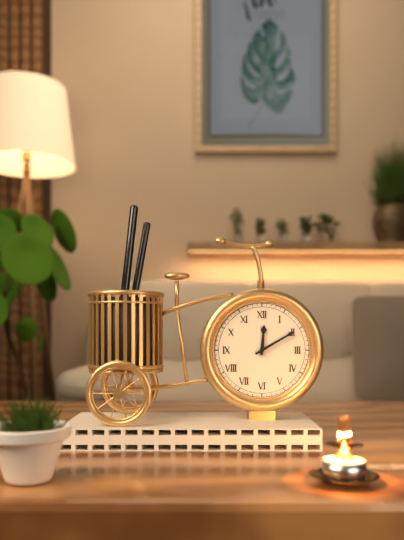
h=12 m=10
